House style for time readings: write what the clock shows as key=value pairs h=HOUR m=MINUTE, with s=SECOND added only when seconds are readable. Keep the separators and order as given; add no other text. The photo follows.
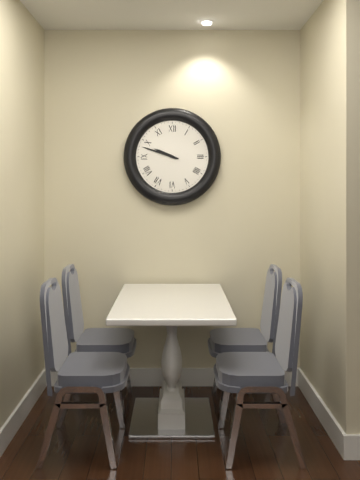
h=9 m=48
